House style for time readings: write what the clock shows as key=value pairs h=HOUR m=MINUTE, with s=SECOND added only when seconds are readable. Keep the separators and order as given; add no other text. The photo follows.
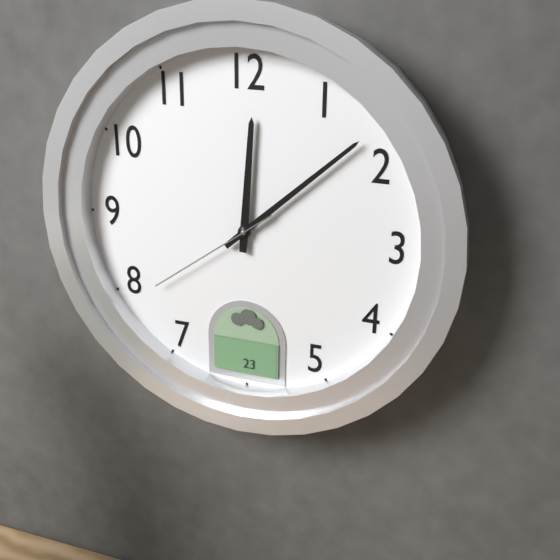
h=12 m=8 s=39
